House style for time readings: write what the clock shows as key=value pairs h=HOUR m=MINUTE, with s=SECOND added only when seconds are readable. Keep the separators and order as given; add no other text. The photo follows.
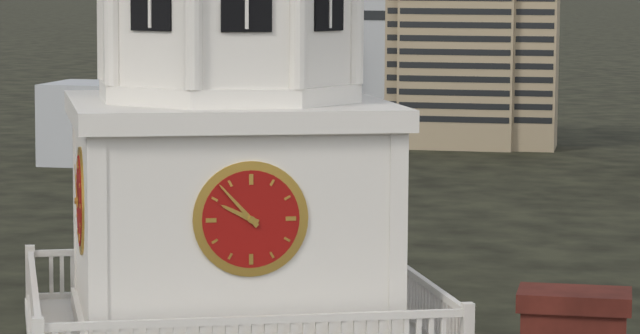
h=9 m=53
